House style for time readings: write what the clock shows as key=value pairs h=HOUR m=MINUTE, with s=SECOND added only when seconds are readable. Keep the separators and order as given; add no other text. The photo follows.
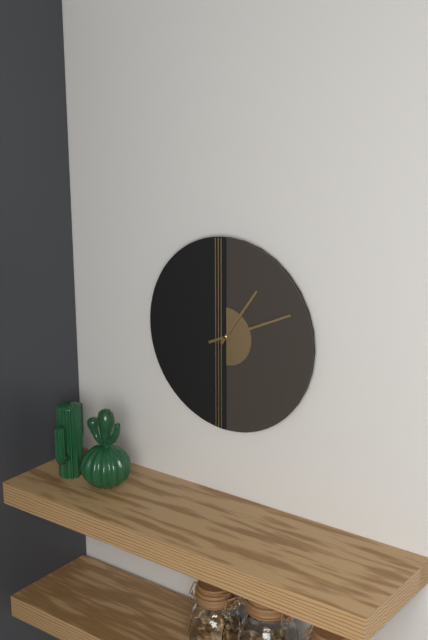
h=1 m=11
